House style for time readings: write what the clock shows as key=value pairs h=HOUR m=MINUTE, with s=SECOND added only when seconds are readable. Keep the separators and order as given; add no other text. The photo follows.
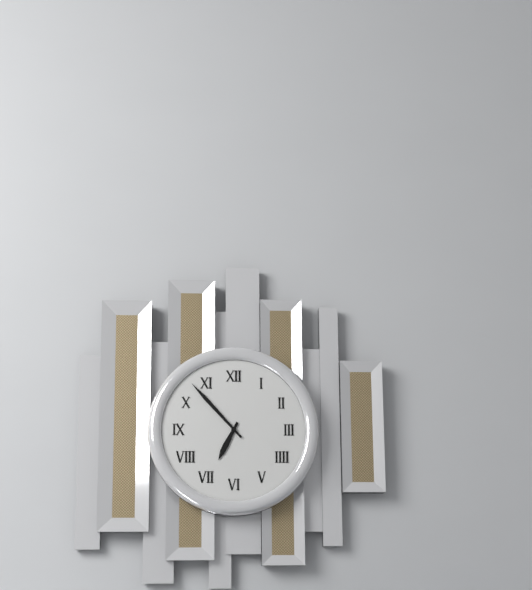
h=6 m=53
